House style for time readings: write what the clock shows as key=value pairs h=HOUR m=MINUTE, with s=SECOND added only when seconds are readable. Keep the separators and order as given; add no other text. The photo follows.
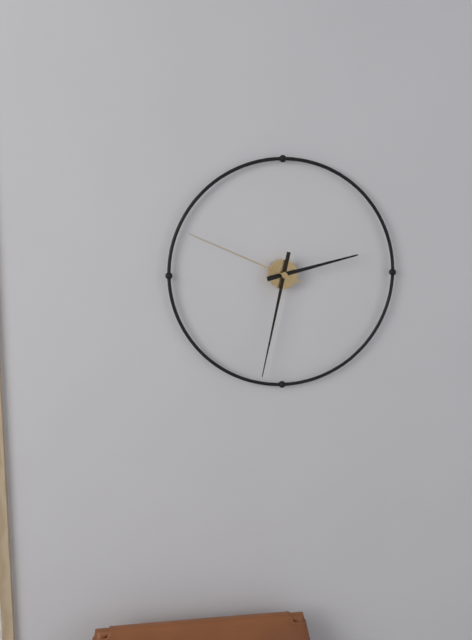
h=2 m=32 s=49
